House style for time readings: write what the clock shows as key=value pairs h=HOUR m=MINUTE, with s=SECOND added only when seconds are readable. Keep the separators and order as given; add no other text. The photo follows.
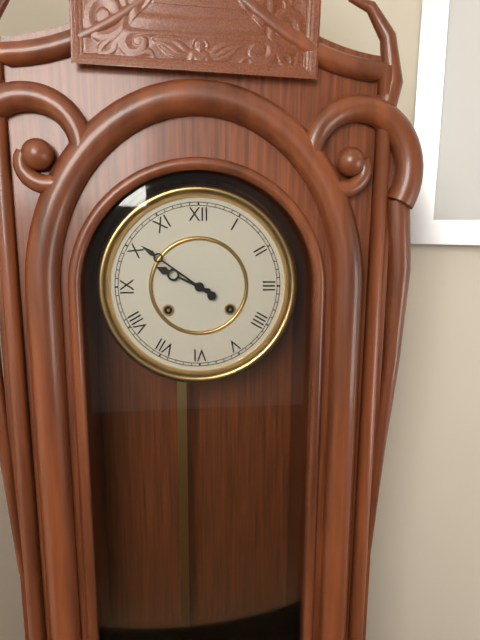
h=9 m=51
